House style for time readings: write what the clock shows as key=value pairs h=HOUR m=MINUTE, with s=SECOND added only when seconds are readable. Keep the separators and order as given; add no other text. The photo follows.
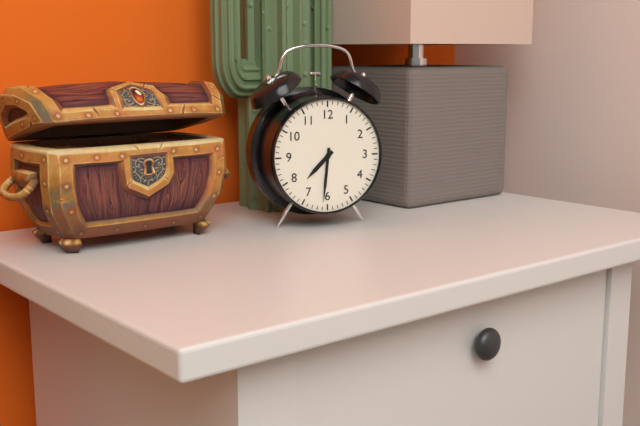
h=7 m=31
